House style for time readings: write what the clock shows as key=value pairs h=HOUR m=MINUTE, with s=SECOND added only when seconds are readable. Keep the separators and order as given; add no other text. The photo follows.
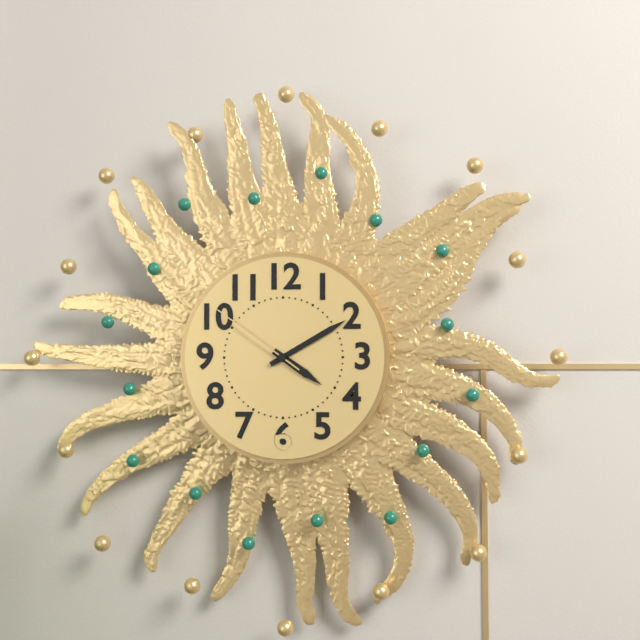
h=4 m=10 s=51
